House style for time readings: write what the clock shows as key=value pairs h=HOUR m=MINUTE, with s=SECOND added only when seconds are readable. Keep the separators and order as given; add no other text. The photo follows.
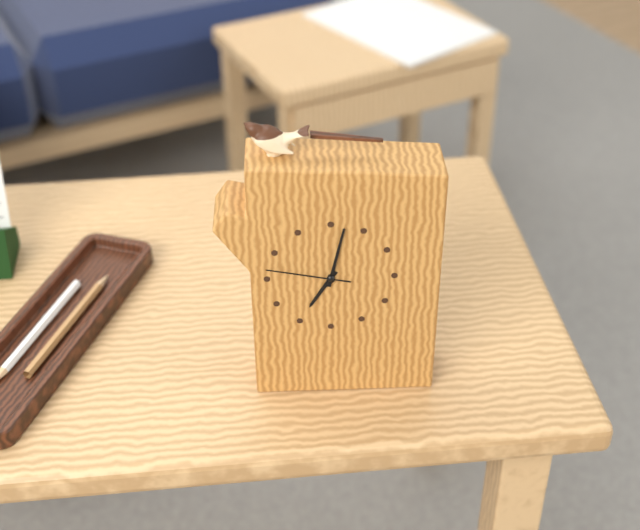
h=7 m=2 s=47
